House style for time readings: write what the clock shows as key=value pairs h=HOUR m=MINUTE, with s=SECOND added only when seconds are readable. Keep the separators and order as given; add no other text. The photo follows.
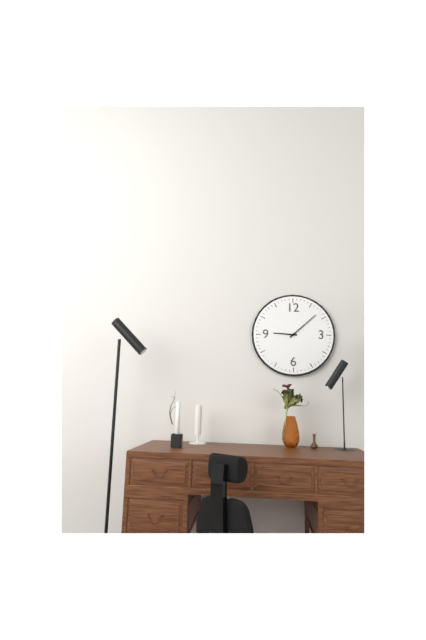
h=9 m=8
